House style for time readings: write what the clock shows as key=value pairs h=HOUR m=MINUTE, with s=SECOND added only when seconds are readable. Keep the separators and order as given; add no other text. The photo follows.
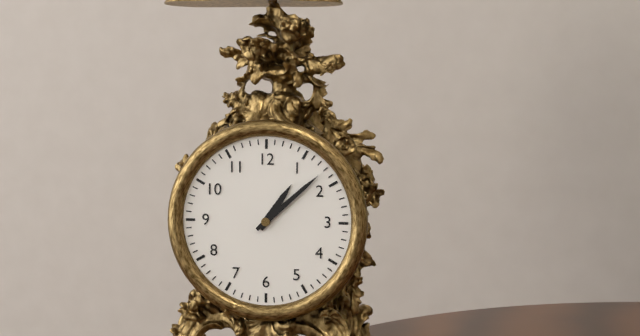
h=1 m=8
